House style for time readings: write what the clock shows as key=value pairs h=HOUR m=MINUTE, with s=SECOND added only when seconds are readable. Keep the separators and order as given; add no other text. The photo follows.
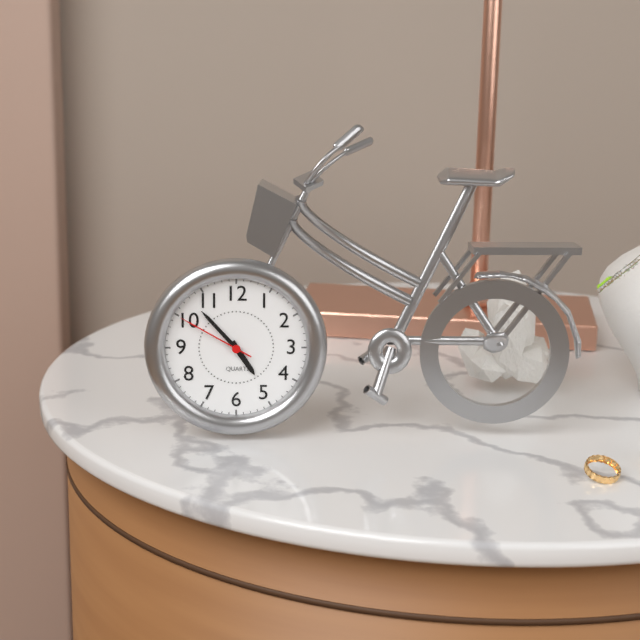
h=4 m=53 s=50
